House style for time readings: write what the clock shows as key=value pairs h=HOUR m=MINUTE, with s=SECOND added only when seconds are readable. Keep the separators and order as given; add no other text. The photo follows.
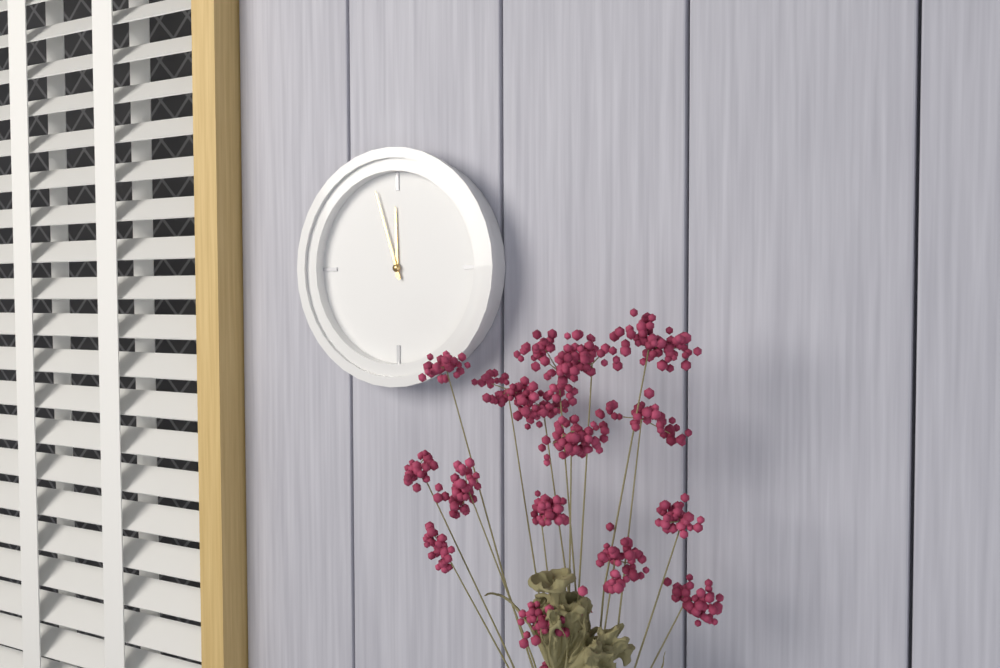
h=11 m=57
